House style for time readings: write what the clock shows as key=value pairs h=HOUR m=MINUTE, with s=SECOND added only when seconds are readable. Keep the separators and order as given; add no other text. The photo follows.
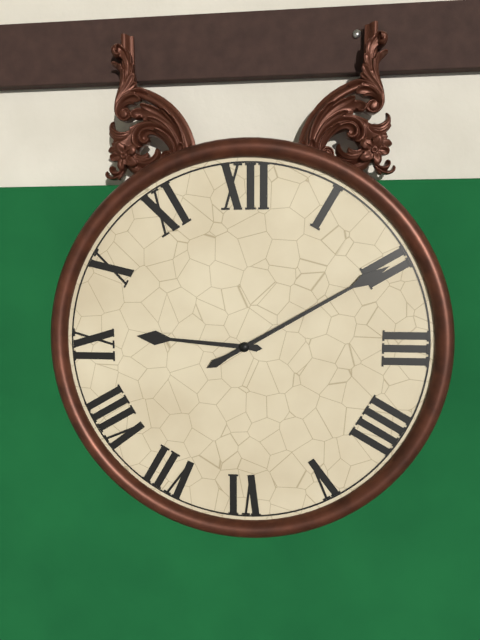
h=9 m=10
